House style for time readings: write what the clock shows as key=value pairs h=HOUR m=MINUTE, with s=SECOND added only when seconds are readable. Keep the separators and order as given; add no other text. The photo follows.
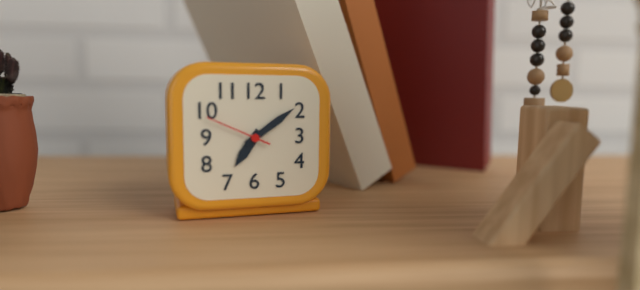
h=7 m=9 s=49
